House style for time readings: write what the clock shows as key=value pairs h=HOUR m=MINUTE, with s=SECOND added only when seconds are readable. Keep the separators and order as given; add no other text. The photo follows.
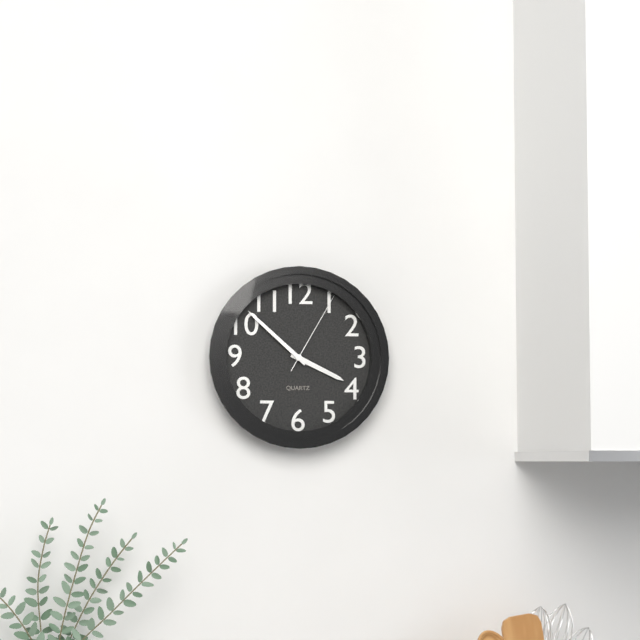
h=3 m=52 s=5
